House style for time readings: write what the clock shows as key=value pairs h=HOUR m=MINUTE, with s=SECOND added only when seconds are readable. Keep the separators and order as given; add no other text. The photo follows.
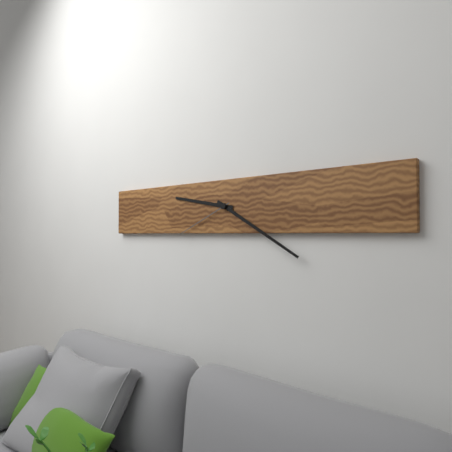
h=9 m=20 s=41
